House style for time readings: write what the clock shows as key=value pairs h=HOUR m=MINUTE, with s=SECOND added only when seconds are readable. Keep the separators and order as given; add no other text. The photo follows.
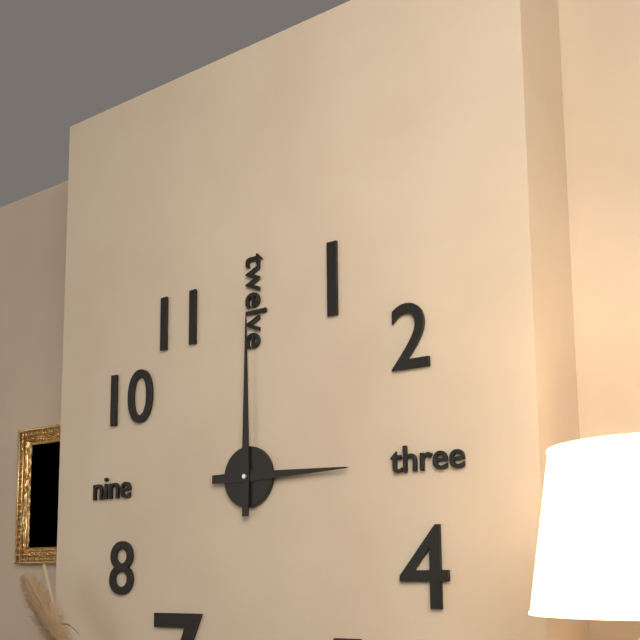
h=3 m=0
